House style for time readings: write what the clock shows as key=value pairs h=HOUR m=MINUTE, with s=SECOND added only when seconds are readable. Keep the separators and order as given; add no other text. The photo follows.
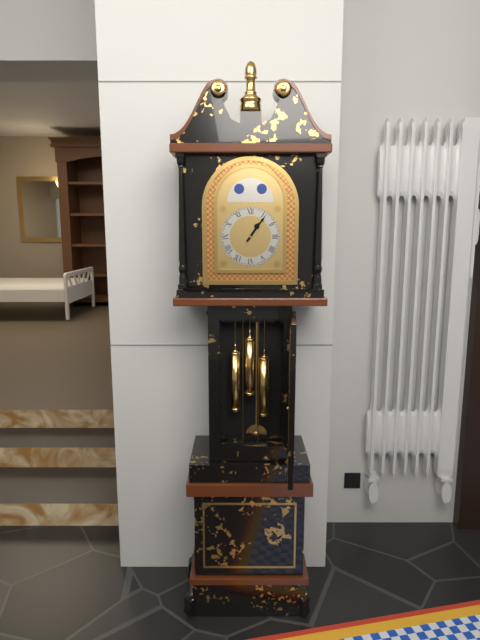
h=1 m=6
